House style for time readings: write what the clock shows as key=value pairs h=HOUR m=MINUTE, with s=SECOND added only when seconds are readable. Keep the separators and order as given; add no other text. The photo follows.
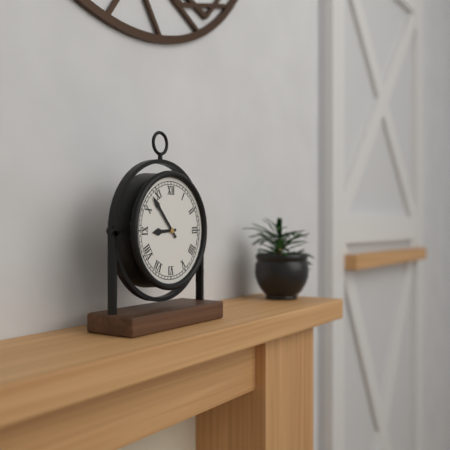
h=8 m=53
